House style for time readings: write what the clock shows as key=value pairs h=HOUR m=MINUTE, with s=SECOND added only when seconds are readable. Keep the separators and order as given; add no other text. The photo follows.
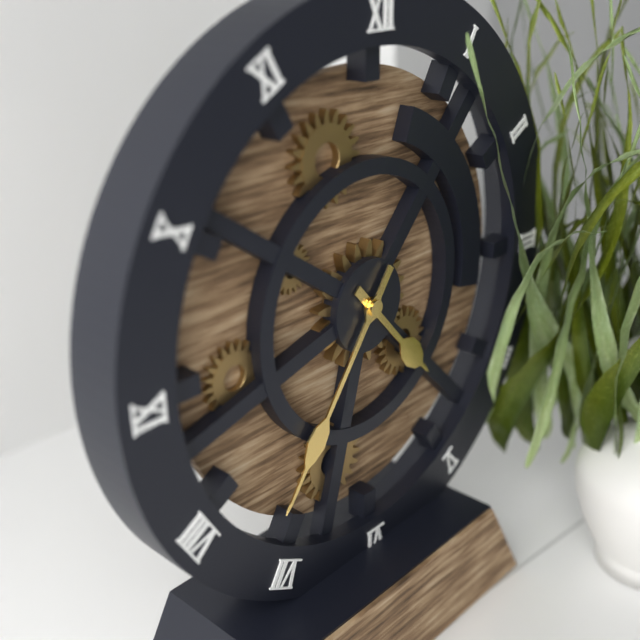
h=4 m=36
